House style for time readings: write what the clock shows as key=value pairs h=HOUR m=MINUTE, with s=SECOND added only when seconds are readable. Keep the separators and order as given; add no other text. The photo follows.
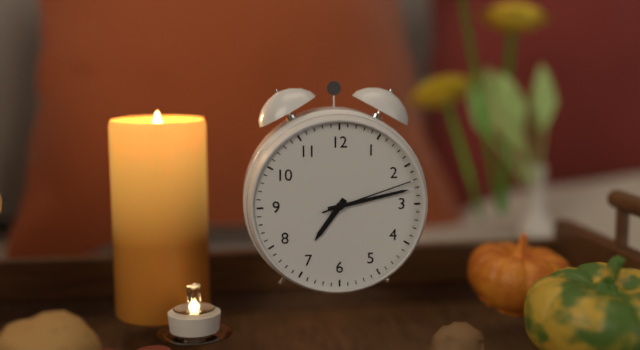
h=7 m=13 s=12
